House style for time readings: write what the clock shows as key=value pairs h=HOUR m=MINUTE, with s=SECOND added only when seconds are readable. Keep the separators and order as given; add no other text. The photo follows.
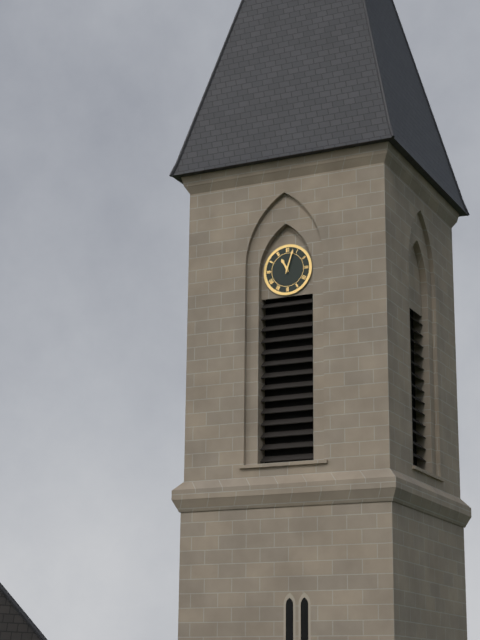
h=11 m=3
